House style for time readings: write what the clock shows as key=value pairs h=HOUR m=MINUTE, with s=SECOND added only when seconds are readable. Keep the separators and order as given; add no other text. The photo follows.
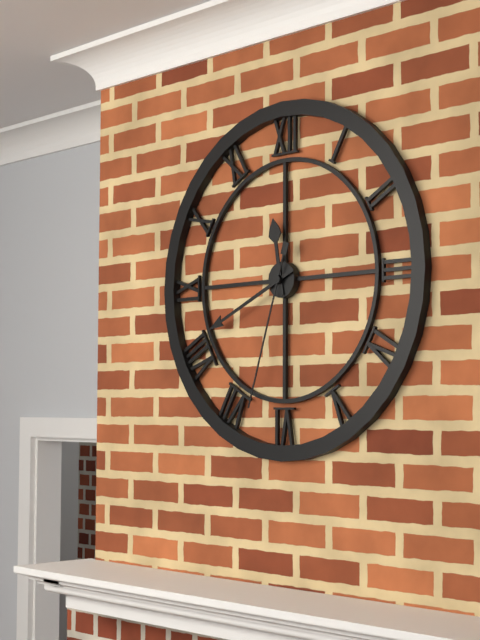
h=11 m=41 s=33
